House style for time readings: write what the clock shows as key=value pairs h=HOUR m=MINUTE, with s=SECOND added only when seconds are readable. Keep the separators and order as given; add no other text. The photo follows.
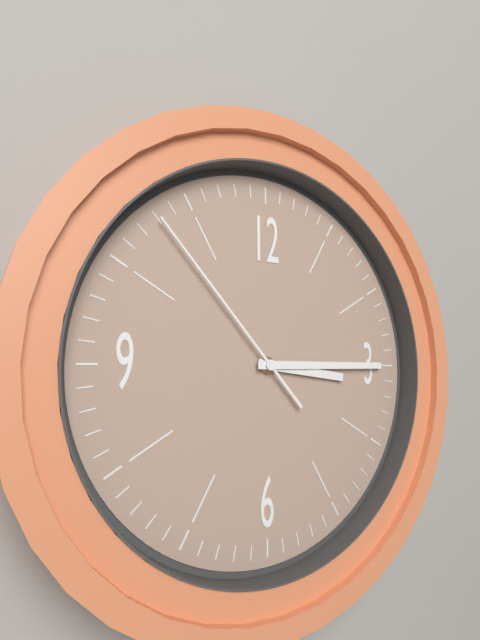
h=3 m=15 s=53
